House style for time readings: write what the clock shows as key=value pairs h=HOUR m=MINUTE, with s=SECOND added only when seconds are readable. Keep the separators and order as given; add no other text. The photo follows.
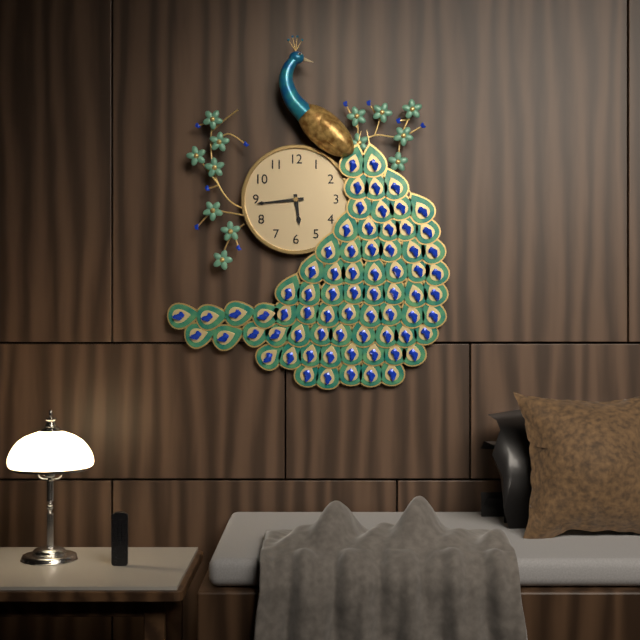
h=5 m=44
